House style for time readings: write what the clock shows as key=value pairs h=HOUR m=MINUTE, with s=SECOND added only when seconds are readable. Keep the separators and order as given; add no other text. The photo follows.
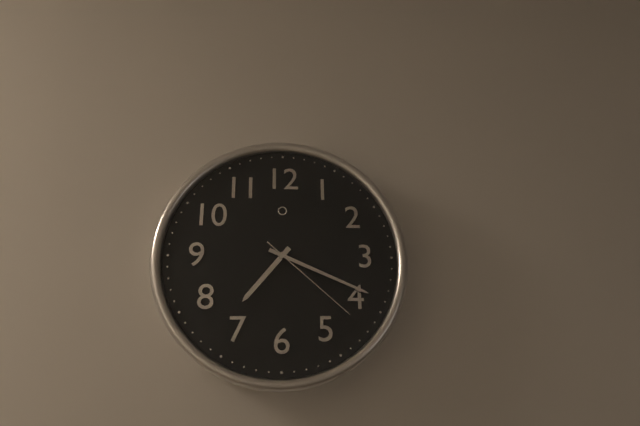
h=7 m=19 s=22
